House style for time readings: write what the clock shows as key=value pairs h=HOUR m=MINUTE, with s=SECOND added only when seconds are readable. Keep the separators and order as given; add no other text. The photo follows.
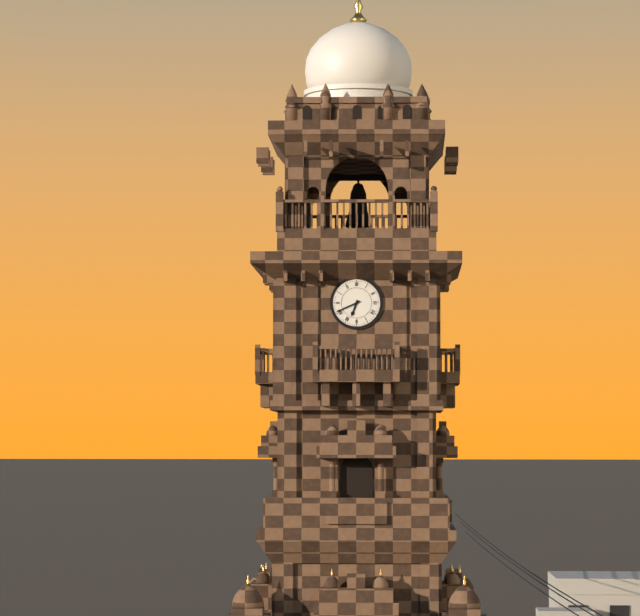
h=6 m=41
